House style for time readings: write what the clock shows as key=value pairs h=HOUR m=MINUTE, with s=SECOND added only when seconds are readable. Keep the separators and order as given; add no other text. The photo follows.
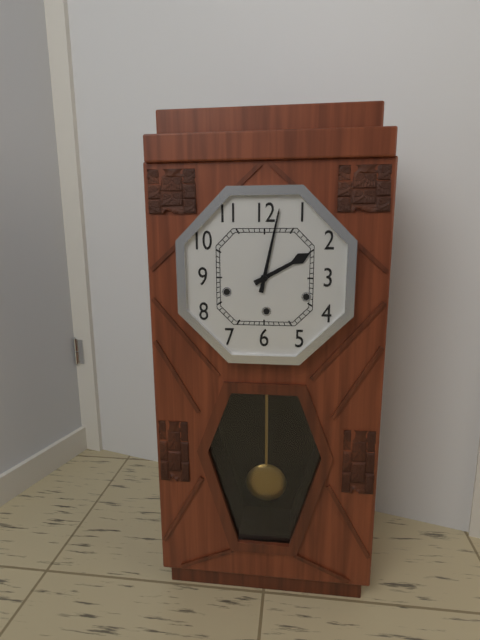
h=2 m=2
